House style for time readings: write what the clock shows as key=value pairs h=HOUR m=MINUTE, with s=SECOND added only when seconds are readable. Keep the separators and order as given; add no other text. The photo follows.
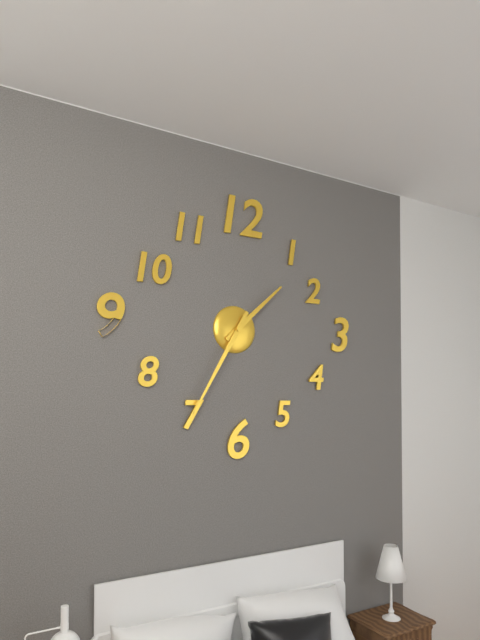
h=1 m=35
